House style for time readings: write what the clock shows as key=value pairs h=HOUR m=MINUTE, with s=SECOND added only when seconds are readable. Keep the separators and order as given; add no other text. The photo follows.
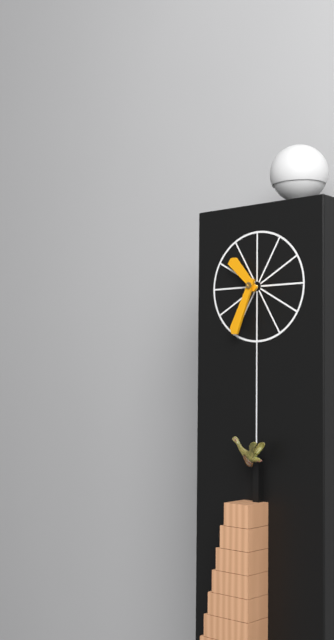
h=10 m=34
